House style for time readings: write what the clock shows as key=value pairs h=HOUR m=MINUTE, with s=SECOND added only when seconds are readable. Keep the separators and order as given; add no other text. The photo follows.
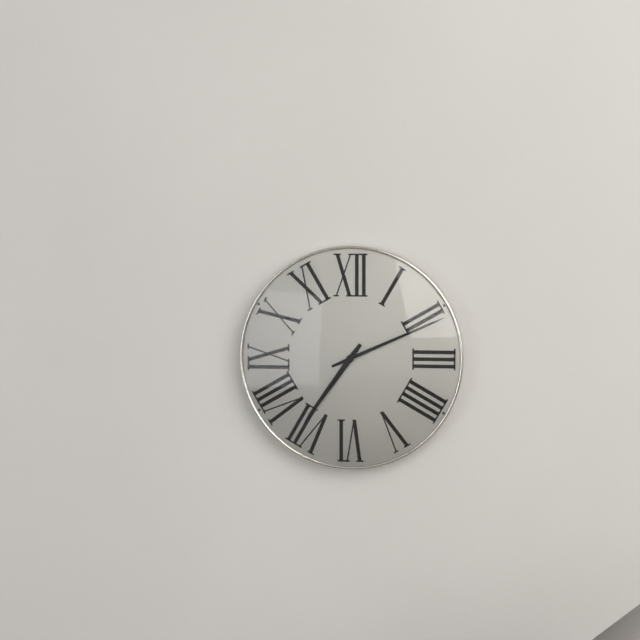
h=7 m=11
